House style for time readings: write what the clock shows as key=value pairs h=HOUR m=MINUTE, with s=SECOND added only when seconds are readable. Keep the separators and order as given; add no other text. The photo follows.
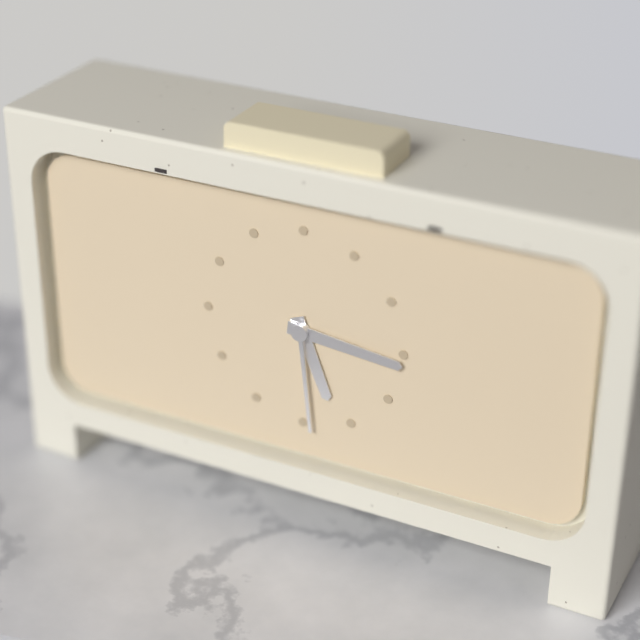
h=5 m=16 s=29
